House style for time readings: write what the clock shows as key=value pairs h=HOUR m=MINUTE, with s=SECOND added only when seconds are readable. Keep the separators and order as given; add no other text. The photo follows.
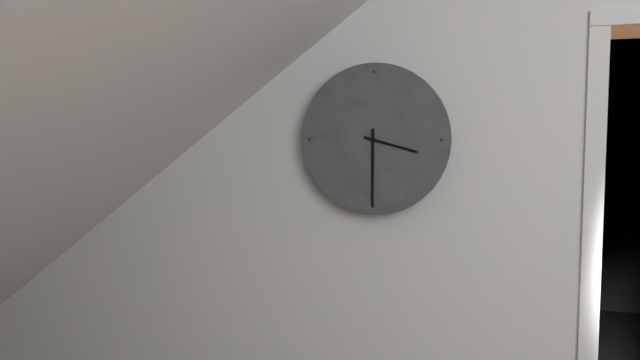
h=3 m=30
